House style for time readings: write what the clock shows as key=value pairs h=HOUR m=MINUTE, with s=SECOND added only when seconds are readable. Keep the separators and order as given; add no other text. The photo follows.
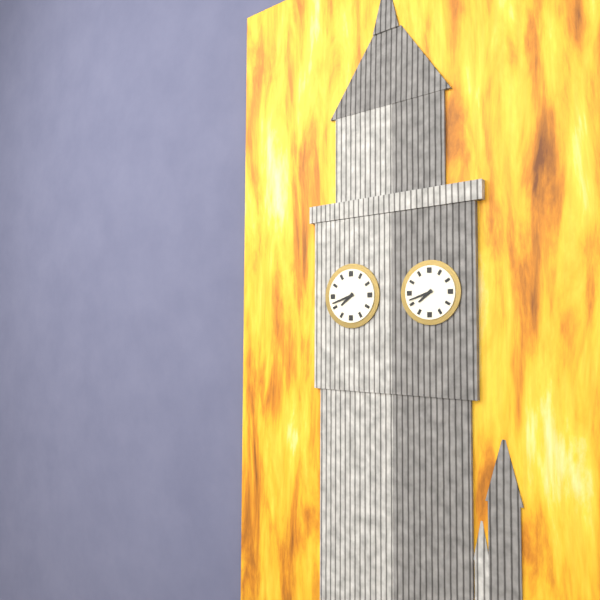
h=7 m=42
